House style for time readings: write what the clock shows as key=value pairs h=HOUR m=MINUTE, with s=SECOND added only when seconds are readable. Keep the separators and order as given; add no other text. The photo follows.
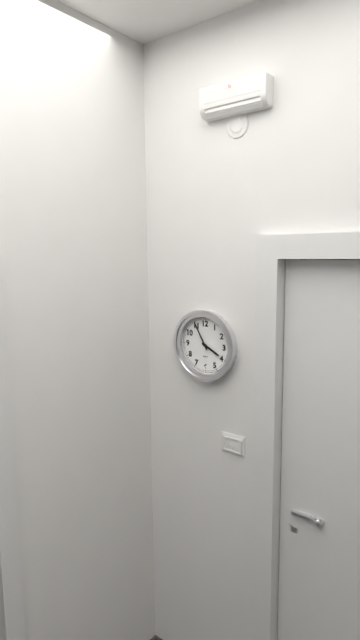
h=3 m=55
